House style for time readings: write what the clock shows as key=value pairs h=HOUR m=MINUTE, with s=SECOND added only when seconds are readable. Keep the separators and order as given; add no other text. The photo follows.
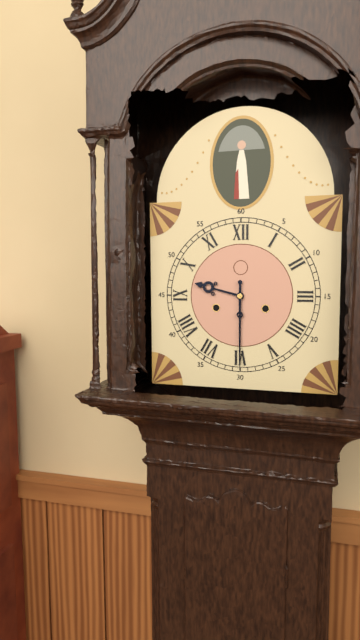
h=9 m=30
